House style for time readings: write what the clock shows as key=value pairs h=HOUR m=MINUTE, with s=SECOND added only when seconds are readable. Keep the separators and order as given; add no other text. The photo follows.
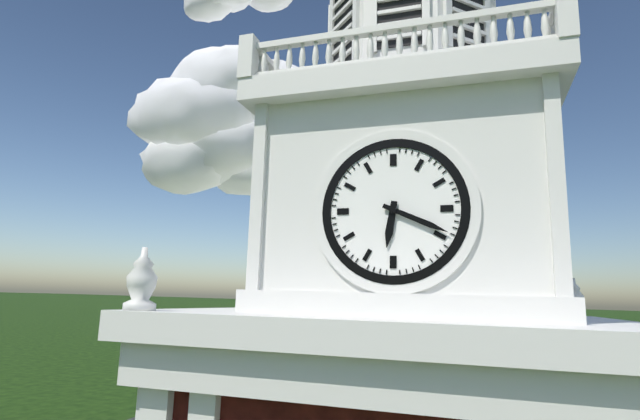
h=6 m=19
